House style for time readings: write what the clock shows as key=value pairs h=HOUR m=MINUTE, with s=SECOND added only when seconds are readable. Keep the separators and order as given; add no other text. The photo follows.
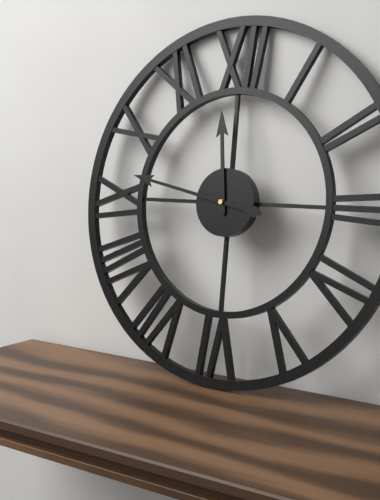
h=11 m=47
